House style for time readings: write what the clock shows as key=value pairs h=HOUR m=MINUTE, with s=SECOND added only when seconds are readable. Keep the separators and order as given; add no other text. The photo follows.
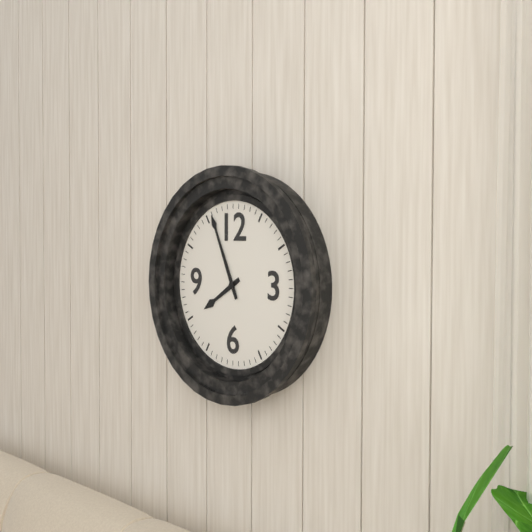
h=7 m=56
